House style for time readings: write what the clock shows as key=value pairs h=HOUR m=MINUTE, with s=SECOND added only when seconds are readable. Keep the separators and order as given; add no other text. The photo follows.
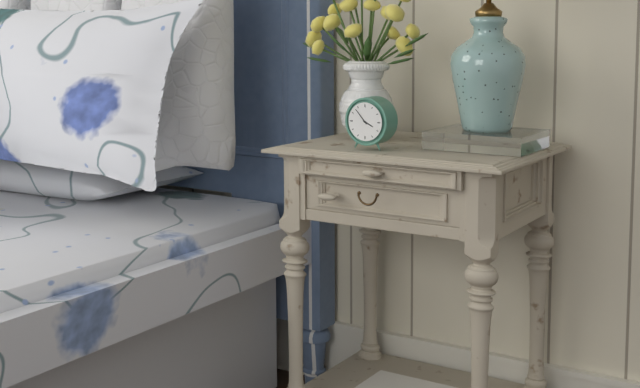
h=3 m=53
